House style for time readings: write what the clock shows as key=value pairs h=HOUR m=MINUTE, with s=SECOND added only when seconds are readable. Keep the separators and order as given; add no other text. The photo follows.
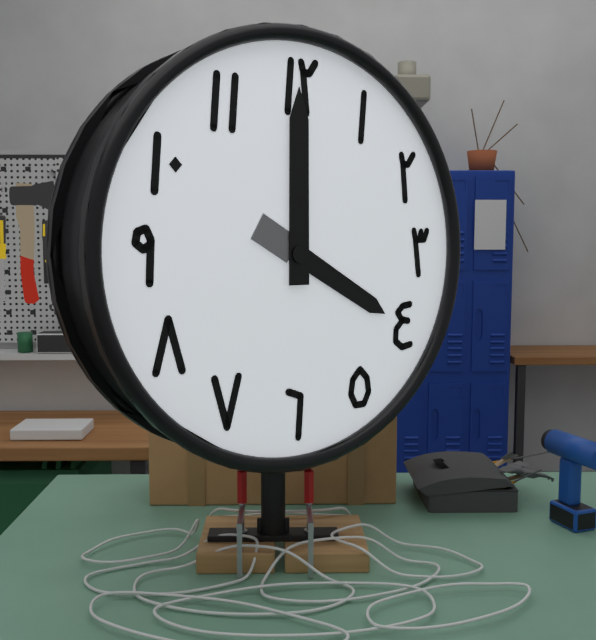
h=4 m=0
